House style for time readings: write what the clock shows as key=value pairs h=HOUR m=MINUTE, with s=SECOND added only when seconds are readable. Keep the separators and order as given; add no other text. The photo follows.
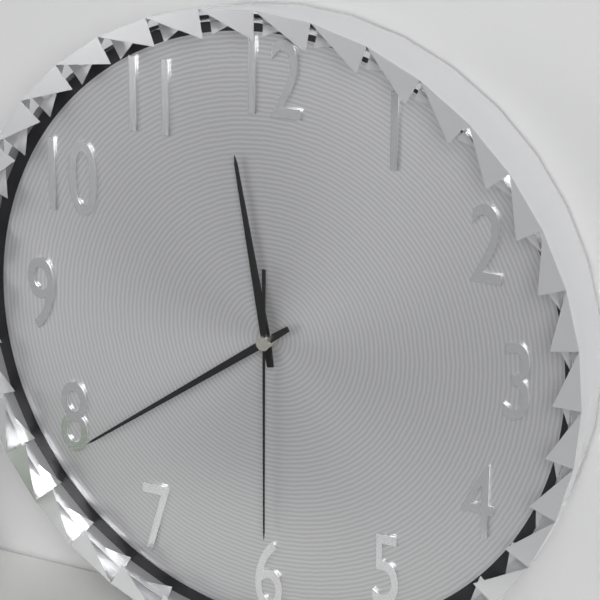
h=11 m=39 s=30
